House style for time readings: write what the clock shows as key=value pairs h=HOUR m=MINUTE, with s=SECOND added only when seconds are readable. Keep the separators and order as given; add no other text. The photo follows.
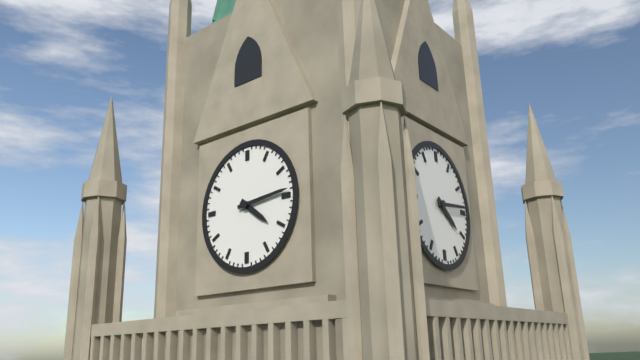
h=4 m=14
